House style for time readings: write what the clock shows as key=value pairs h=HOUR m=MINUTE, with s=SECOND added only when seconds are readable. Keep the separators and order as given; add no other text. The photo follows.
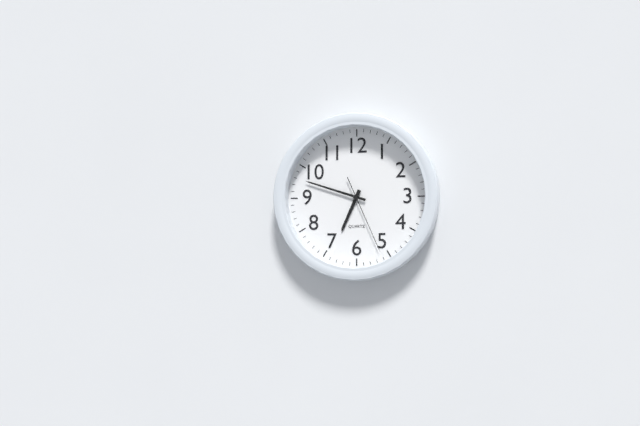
h=6 m=48 s=26
